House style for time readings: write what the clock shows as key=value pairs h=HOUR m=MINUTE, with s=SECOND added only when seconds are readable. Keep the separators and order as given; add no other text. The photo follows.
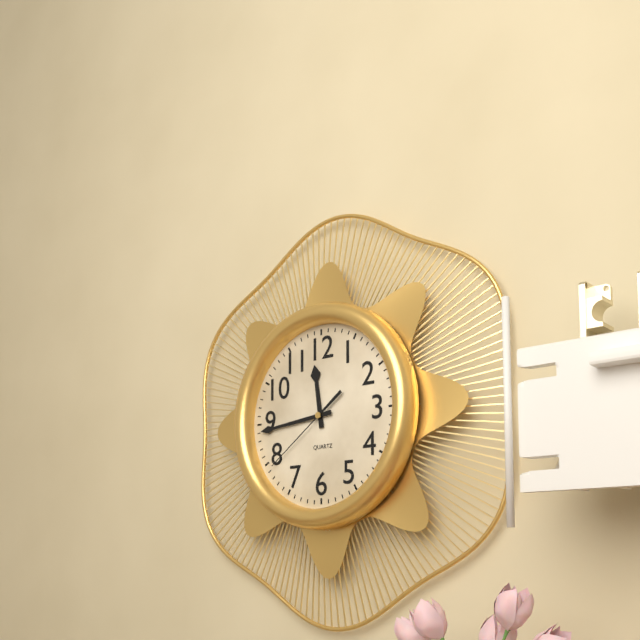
h=11 m=44 s=39
